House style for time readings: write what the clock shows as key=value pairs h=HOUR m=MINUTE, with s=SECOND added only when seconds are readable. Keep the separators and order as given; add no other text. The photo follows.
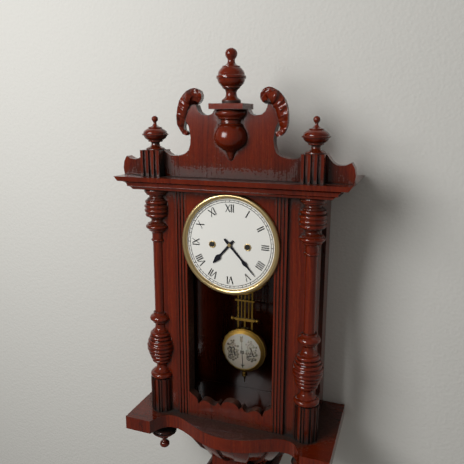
h=7 m=23
